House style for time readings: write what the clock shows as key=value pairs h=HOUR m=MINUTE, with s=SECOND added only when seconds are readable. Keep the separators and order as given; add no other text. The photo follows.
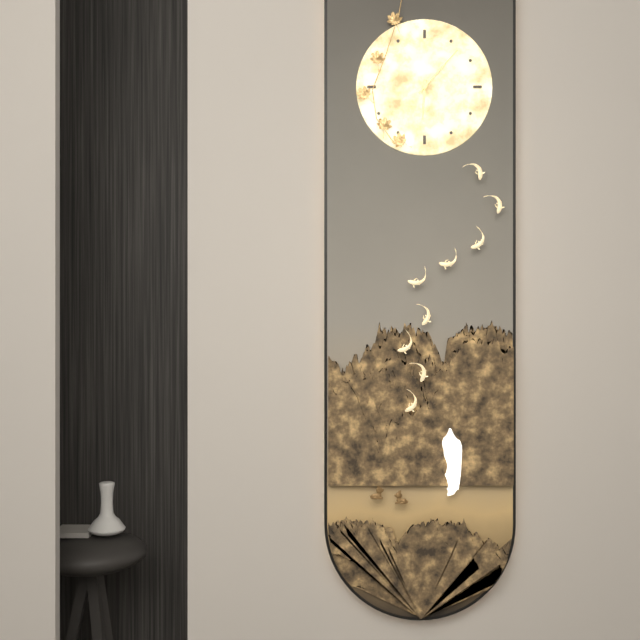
h=6 m=7
